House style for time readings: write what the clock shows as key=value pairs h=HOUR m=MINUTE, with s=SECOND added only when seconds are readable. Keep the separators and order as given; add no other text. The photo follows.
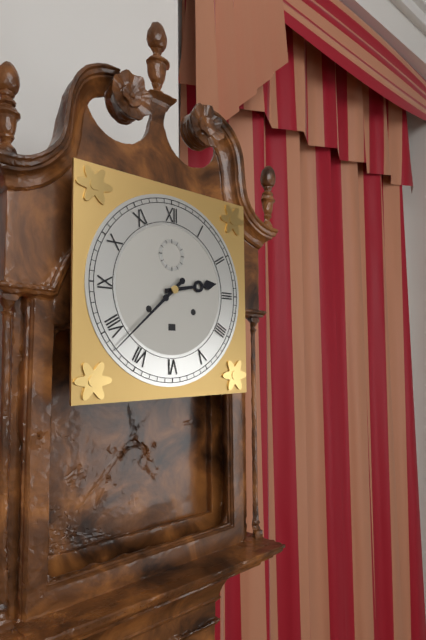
h=2 m=38
